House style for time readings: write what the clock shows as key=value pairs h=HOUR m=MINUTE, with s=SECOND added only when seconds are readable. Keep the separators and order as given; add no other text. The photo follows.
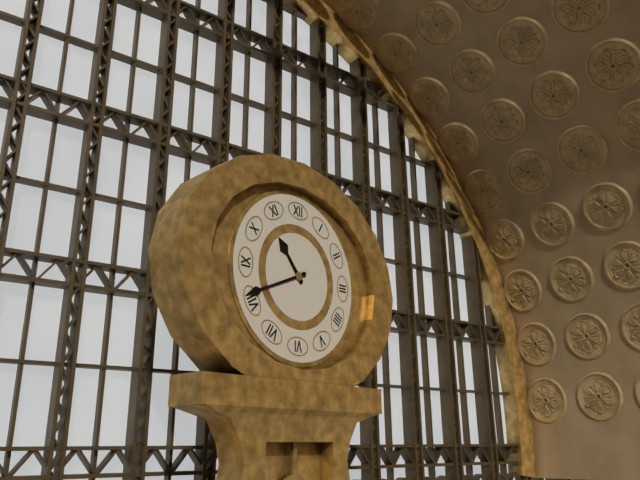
h=10 m=41
